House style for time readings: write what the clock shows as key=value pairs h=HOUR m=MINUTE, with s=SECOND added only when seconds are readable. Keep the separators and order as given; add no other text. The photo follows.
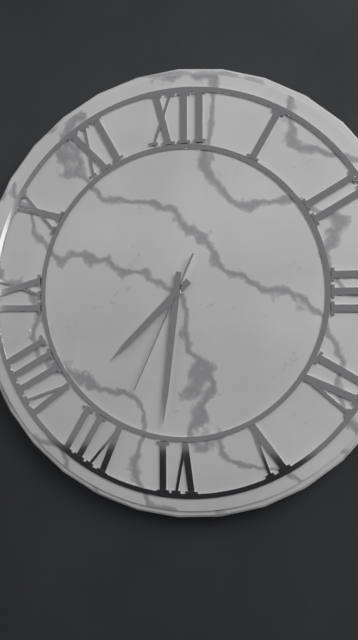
h=7 m=31 s=34
